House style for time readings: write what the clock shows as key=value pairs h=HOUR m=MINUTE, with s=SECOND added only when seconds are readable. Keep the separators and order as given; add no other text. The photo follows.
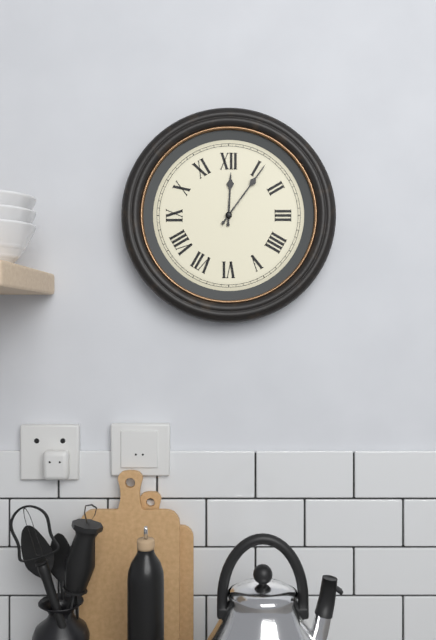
h=12 m=6
